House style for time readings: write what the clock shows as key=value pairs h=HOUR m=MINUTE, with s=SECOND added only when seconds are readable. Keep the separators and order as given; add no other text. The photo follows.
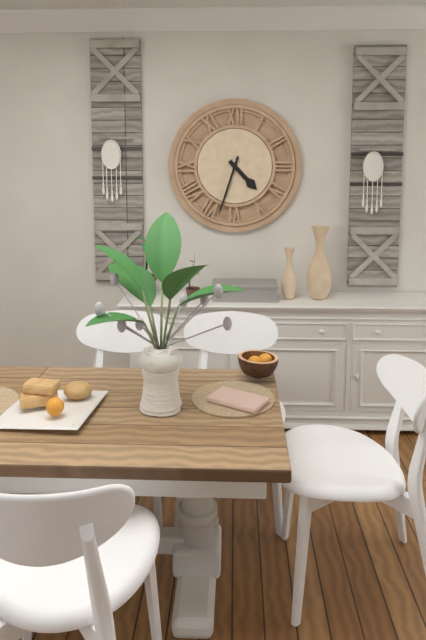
h=4 m=33
